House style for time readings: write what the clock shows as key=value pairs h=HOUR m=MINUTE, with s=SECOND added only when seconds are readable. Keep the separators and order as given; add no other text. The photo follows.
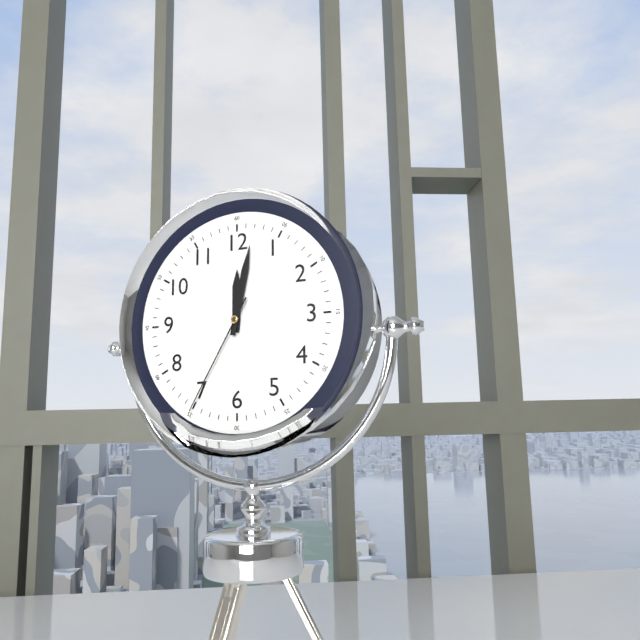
h=12 m=2 s=35
